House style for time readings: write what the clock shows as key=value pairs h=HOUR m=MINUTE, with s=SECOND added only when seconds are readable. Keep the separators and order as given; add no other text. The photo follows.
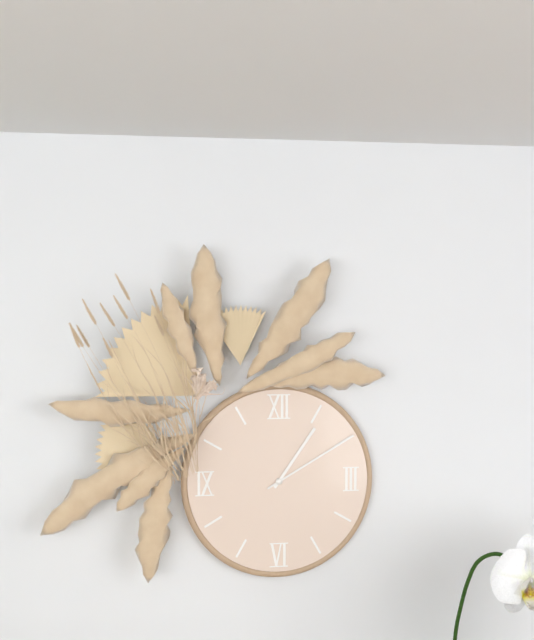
h=1 m=10
